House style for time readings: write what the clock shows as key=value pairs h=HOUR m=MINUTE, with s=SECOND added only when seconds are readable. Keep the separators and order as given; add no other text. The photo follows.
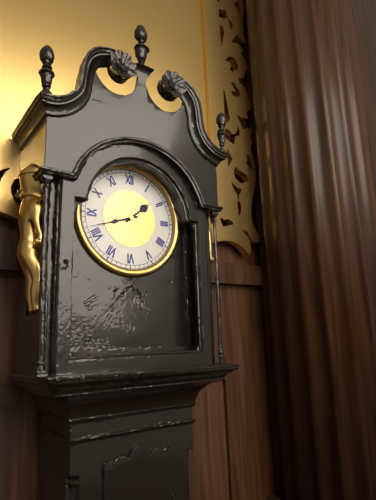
h=1 m=42
